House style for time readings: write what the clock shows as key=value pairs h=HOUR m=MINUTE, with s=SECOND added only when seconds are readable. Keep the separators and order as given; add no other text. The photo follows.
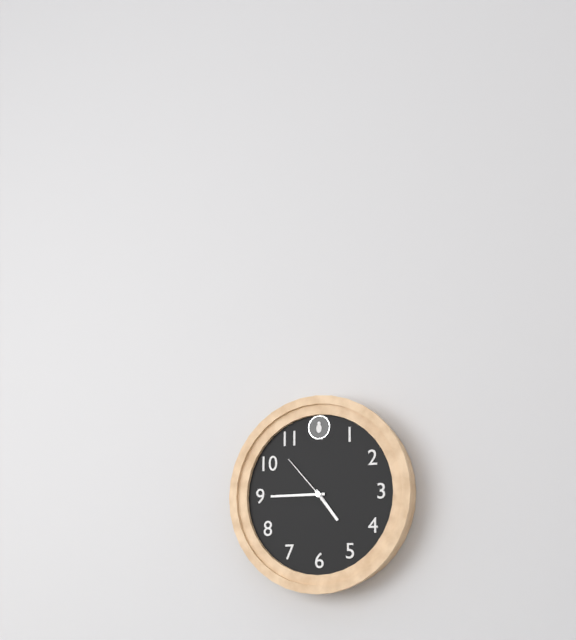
h=4 m=45 s=53
